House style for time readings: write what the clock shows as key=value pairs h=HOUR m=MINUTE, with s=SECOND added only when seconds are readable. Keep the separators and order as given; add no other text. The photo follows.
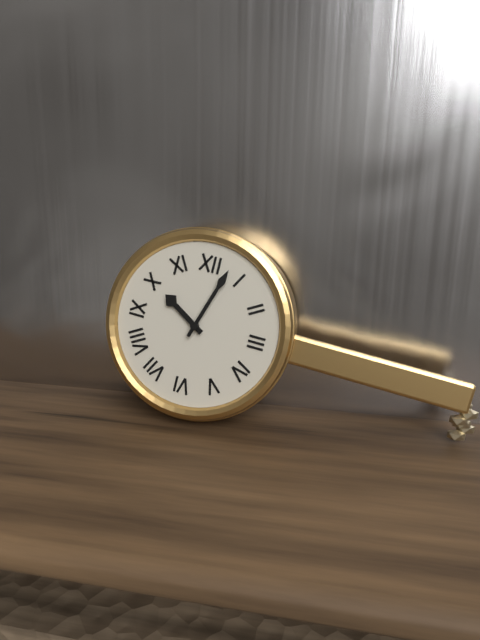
h=10 m=3
